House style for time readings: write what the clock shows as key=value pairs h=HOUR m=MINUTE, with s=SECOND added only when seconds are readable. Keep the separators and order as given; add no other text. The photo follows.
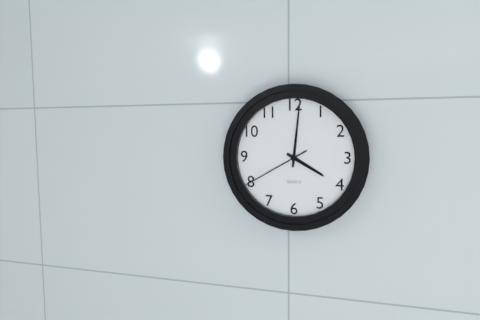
h=4 m=1 s=40
